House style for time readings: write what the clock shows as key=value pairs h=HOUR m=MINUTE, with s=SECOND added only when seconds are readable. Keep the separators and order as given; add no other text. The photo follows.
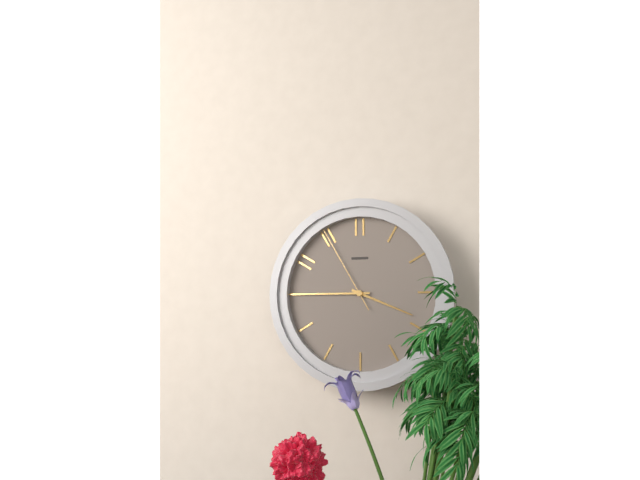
h=3 m=45 s=55
